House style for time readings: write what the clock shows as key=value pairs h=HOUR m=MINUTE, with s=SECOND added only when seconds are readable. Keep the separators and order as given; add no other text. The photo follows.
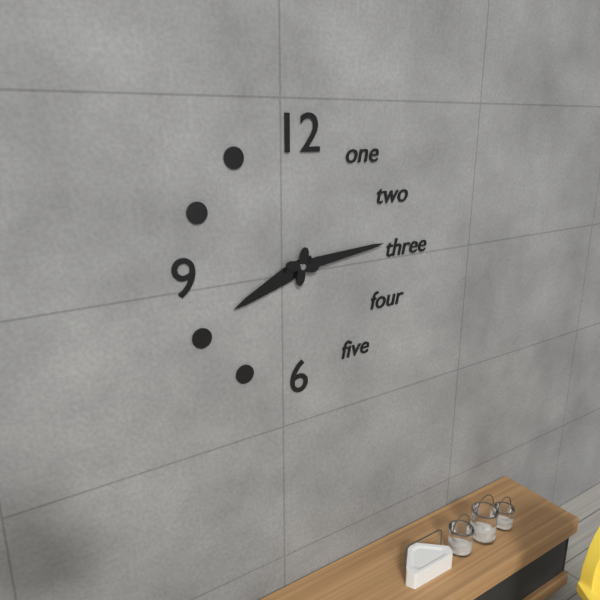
h=8 m=14
